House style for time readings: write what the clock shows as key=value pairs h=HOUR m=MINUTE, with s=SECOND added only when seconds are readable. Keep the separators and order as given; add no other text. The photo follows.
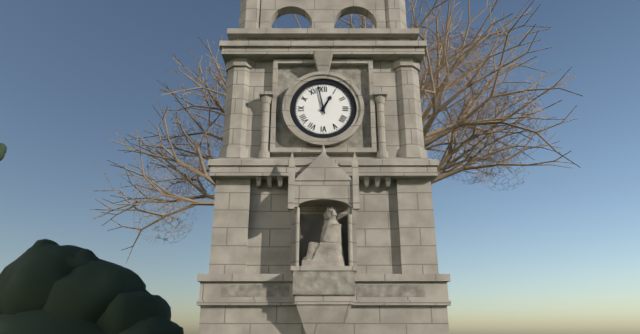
h=12 m=58
